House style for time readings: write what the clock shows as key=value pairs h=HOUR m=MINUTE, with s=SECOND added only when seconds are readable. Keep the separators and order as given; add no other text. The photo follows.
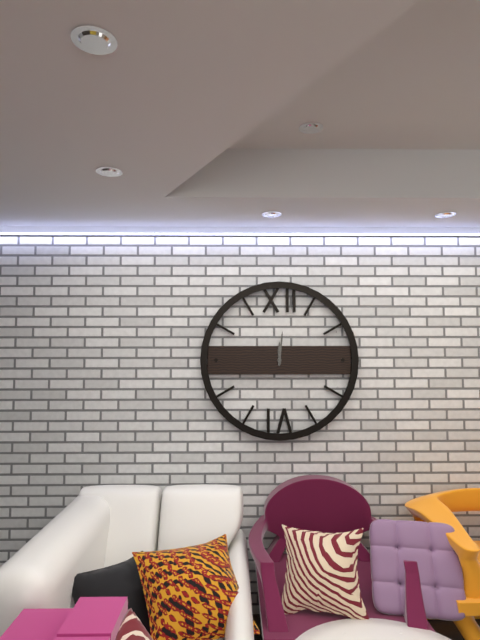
h=12 m=1
